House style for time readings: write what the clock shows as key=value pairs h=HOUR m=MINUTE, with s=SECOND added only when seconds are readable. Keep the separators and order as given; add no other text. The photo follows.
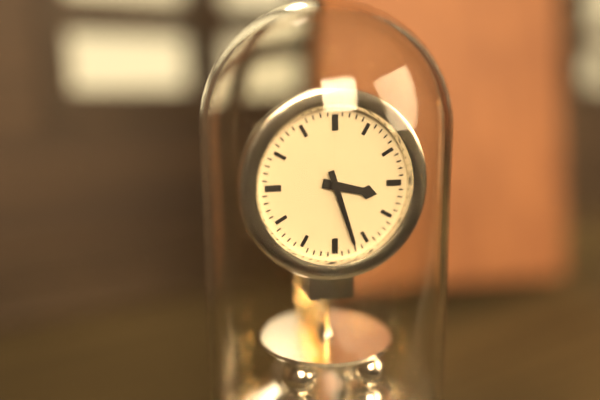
h=3 m=27
